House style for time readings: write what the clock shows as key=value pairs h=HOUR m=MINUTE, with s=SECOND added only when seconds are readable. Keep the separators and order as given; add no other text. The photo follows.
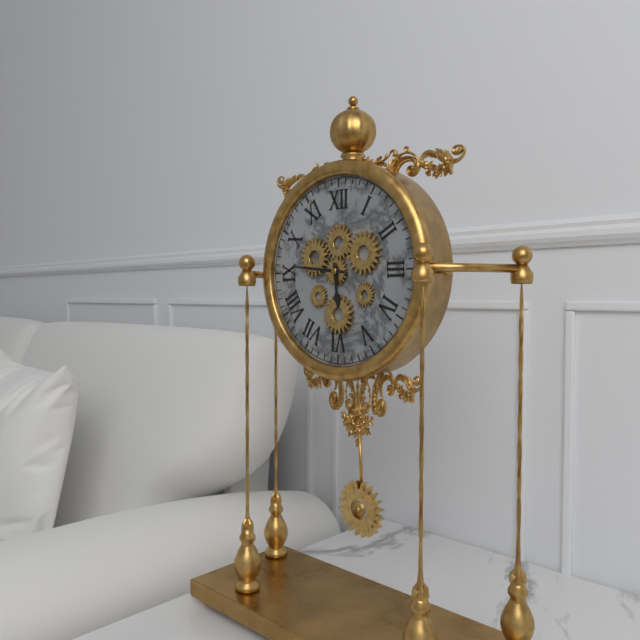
h=5 m=46
